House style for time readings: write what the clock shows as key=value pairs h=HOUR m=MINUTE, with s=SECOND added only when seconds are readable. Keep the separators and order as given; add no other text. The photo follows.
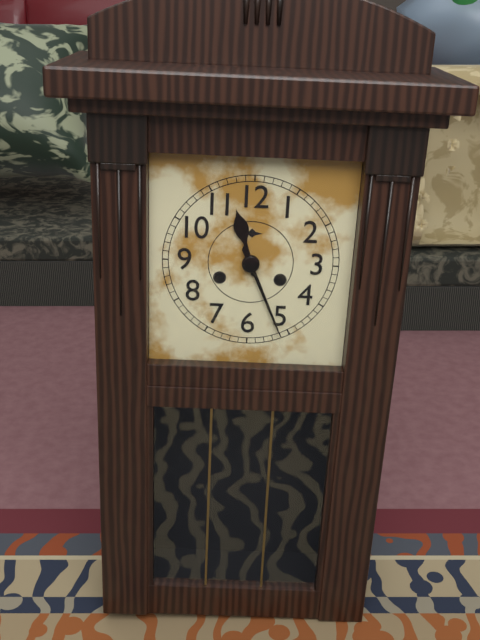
h=11 m=26
